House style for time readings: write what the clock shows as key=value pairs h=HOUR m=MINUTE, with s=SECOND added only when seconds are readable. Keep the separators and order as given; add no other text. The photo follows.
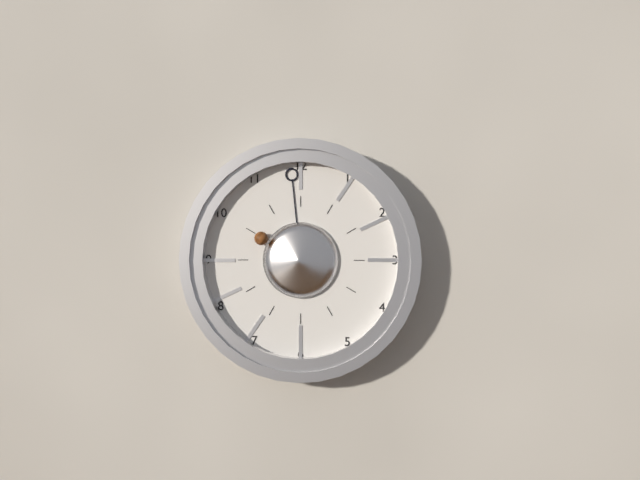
h=9 m=59
